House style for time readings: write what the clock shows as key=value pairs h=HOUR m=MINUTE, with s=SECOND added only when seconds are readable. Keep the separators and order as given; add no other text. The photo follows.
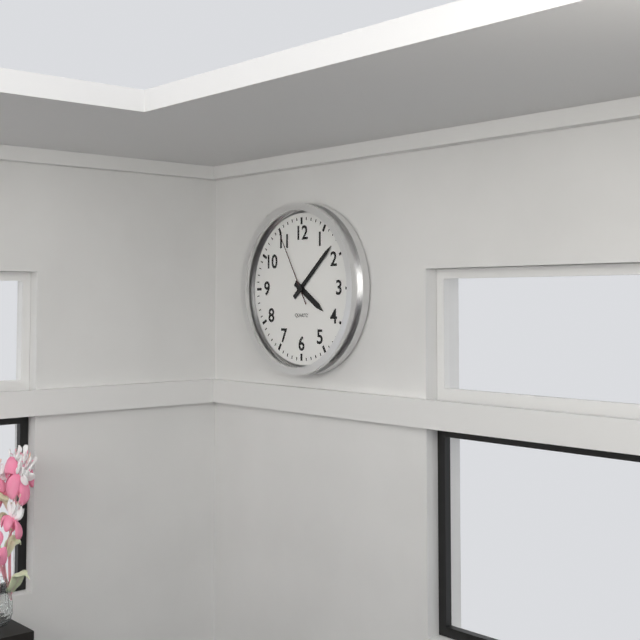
h=4 m=8 s=55
